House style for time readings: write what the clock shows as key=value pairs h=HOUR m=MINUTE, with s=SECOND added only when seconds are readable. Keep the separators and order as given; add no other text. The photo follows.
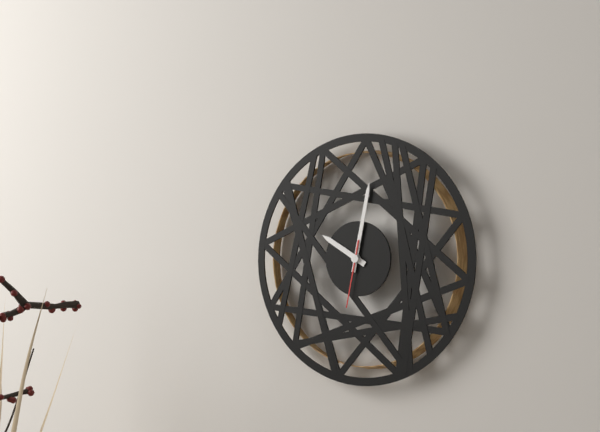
h=10 m=2 s=32
